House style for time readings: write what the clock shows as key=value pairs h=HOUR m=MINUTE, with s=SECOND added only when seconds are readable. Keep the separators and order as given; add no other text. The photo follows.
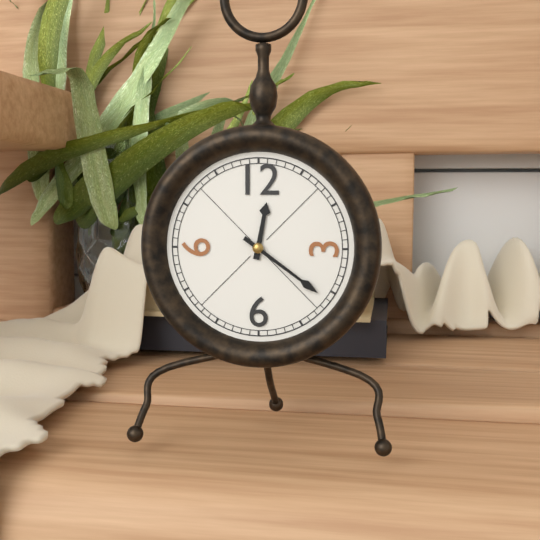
h=12 m=21
